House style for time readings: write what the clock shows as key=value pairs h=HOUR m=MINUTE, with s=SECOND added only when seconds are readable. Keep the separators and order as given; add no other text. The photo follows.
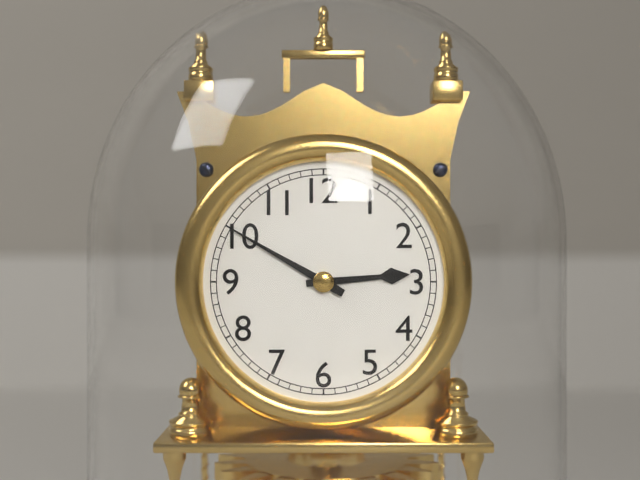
h=2 m=50
